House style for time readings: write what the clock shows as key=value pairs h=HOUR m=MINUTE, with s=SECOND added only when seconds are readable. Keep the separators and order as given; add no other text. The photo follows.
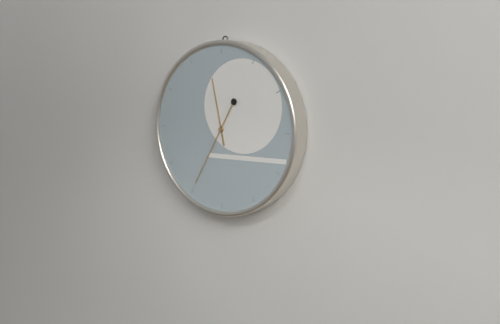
h=11 m=35
